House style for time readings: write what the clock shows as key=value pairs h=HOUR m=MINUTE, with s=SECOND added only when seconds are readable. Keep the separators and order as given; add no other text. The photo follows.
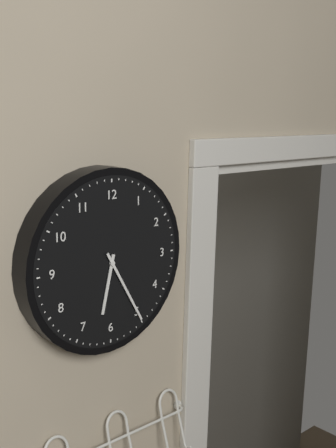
h=6 m=25
